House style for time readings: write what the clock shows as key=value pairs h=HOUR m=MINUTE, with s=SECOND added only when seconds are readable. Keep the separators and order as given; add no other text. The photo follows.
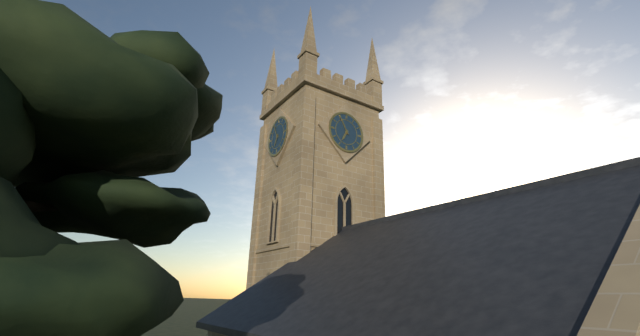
h=6 m=55
